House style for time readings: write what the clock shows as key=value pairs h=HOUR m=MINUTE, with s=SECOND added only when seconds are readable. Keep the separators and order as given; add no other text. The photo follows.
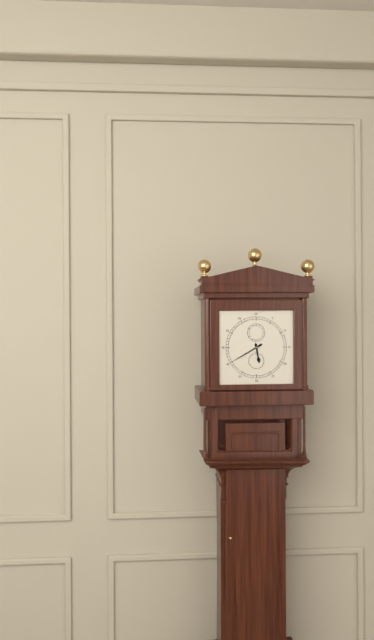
h=5 m=40
